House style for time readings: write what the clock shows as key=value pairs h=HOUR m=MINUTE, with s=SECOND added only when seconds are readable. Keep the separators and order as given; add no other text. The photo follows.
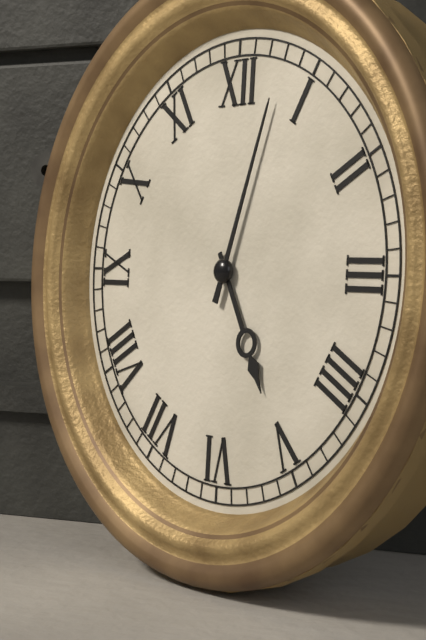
h=5 m=3
